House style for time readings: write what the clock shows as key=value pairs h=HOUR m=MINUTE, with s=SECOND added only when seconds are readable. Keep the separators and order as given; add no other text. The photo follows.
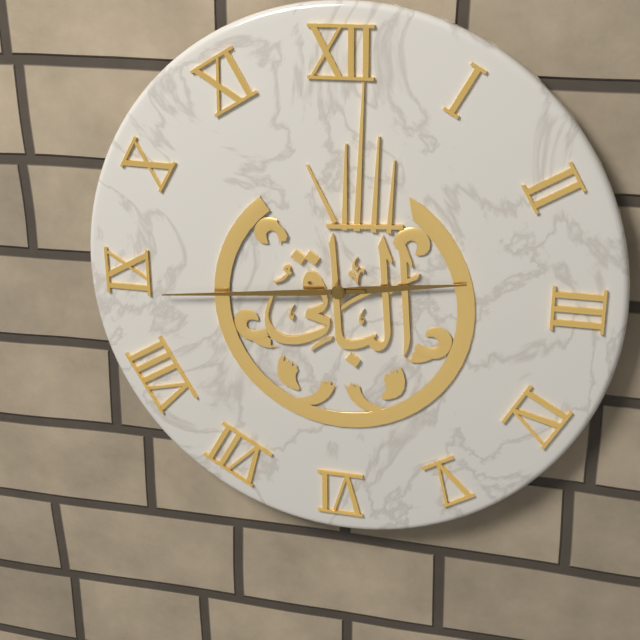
h=2 m=44
